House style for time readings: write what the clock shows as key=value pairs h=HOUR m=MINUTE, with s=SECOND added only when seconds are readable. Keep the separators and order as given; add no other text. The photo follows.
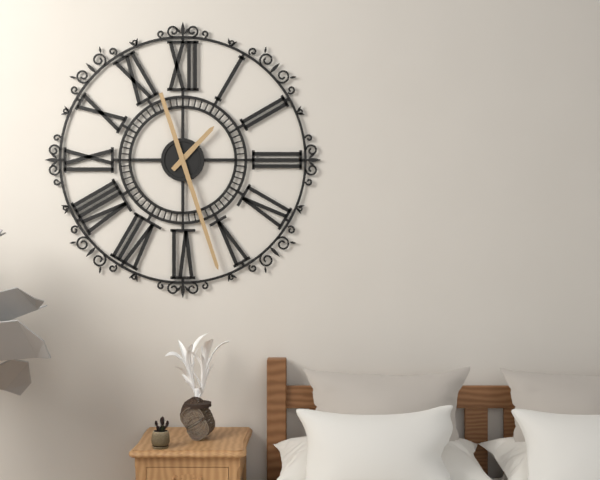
h=1 m=27
